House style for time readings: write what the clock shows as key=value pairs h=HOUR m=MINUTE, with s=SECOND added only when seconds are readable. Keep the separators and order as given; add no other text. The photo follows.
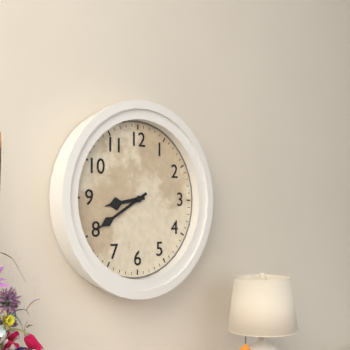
h=8 m=40
